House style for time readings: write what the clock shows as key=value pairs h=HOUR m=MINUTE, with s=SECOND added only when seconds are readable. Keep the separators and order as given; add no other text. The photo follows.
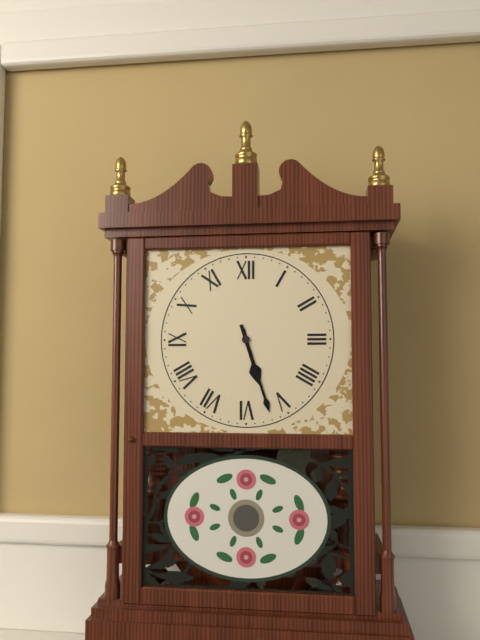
h=5 m=27
